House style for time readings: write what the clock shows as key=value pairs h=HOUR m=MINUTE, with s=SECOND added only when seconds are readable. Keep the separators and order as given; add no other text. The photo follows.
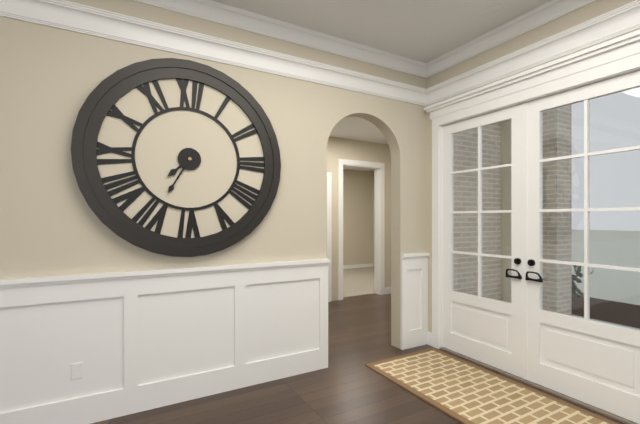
h=7 m=35
